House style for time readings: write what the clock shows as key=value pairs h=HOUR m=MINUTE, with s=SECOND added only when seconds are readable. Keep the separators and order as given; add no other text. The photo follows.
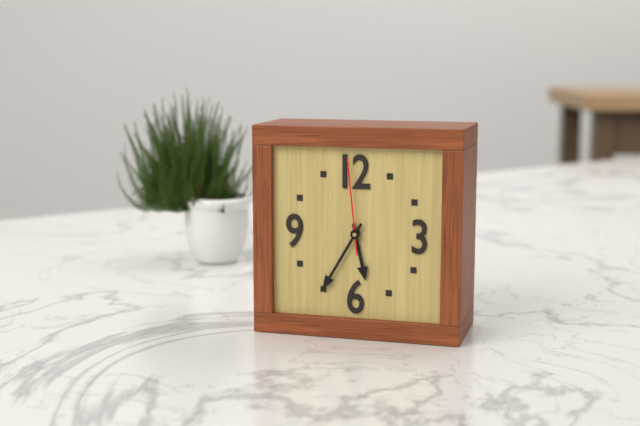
h=5 m=35 s=59
